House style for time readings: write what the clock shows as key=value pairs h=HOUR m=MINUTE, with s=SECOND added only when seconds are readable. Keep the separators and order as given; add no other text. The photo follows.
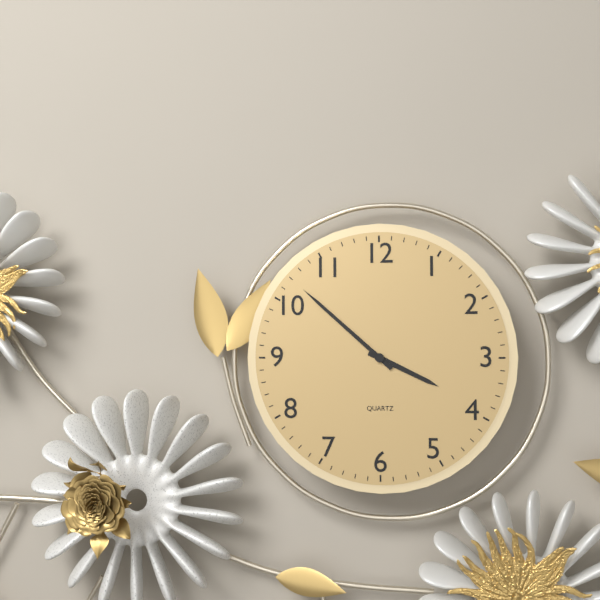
h=3 m=52
